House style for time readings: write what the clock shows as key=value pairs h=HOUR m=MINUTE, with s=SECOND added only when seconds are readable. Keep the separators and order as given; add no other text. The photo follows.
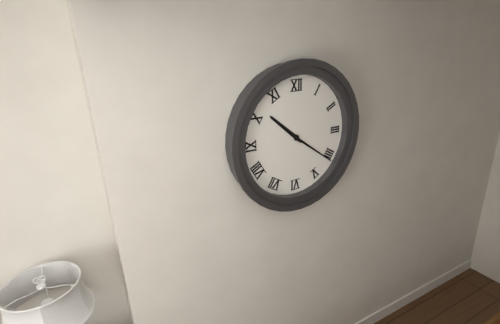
h=10 m=21
